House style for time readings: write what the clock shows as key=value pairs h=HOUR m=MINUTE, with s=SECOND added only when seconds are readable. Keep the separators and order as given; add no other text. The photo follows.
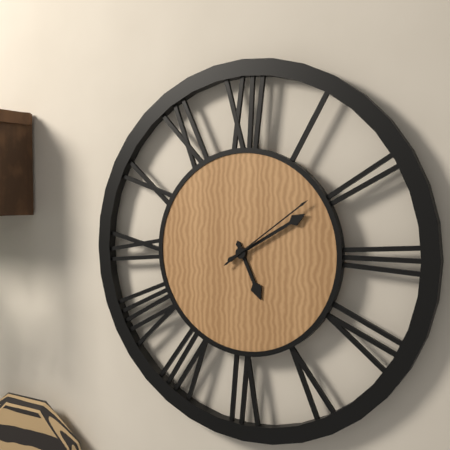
h=5 m=10 s=9
